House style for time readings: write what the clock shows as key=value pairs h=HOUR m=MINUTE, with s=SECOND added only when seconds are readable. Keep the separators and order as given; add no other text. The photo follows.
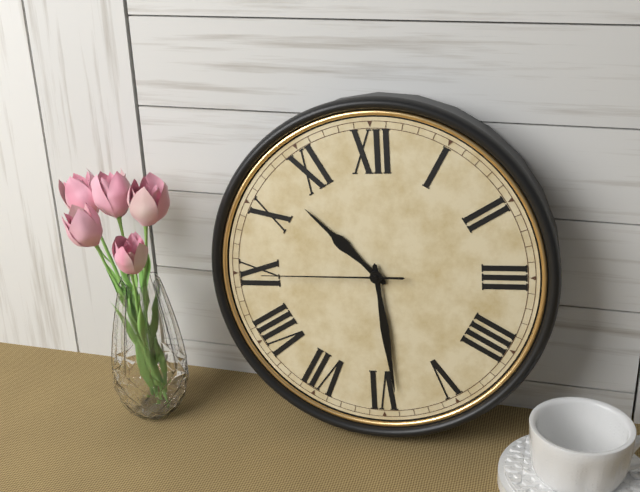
h=10 m=29 s=45
